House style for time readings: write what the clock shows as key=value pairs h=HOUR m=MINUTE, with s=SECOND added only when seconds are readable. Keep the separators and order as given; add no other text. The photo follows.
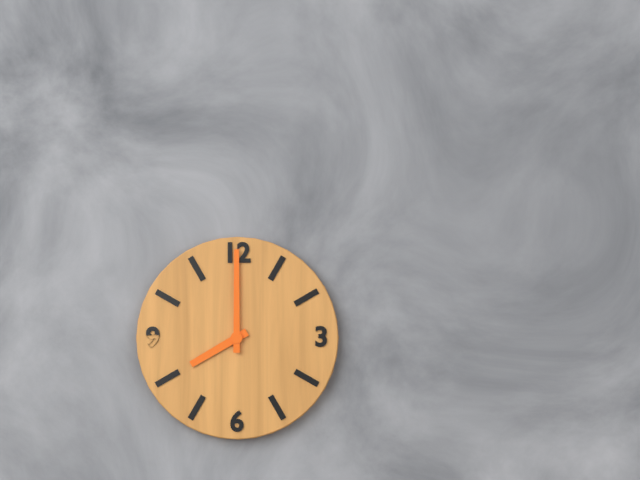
h=8 m=0
